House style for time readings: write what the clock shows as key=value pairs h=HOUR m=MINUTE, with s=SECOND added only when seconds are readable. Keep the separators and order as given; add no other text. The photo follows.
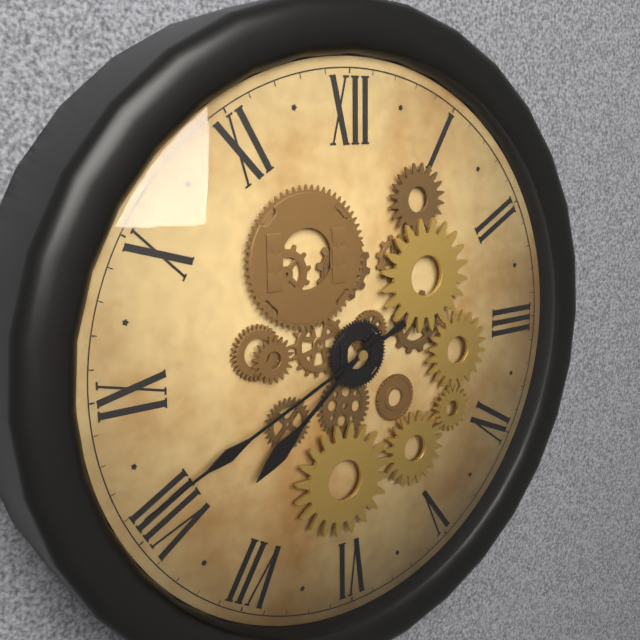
h=7 m=41
